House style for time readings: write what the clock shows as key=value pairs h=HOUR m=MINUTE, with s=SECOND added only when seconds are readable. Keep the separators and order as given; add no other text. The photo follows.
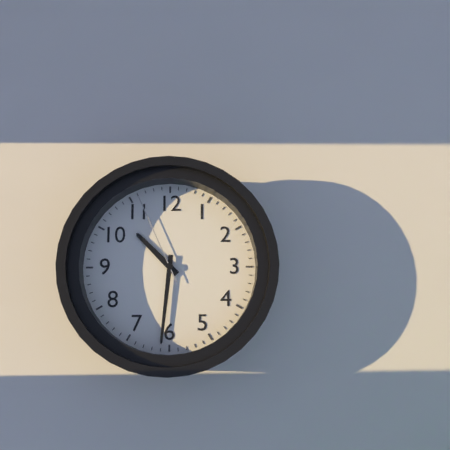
h=10 m=31 s=56
